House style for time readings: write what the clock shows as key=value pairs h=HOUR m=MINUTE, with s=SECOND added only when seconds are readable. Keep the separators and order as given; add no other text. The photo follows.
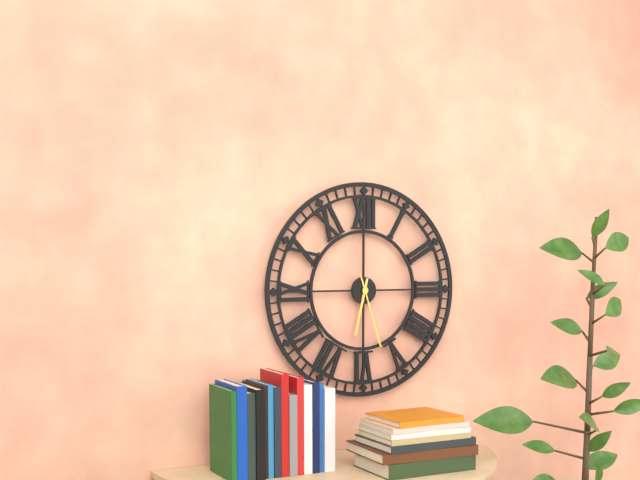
h=6 m=27
